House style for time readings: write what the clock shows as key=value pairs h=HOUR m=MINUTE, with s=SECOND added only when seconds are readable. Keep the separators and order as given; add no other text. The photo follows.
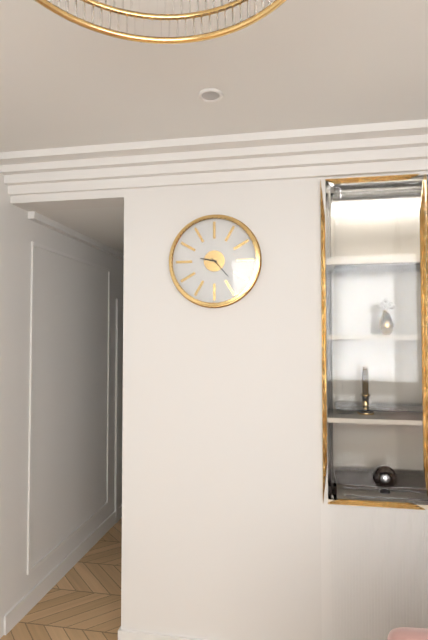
h=9 m=23
